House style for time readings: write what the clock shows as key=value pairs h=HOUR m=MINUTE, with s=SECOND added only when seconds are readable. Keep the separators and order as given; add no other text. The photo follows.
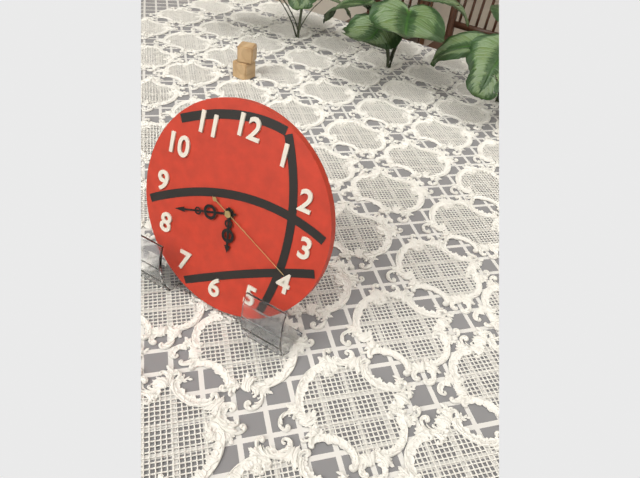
h=5 m=42 s=19
